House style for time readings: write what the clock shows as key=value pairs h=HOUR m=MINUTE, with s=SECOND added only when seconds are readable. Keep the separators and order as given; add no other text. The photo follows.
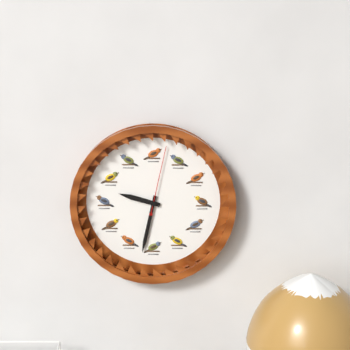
h=9 m=32 s=2
